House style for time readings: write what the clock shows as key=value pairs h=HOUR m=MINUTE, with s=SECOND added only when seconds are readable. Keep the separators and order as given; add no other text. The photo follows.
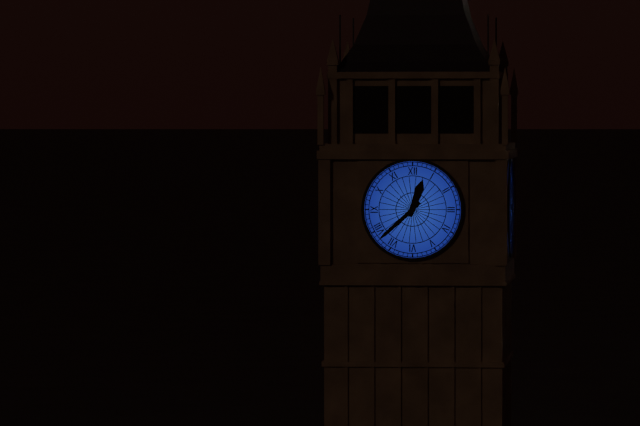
h=12 m=38
